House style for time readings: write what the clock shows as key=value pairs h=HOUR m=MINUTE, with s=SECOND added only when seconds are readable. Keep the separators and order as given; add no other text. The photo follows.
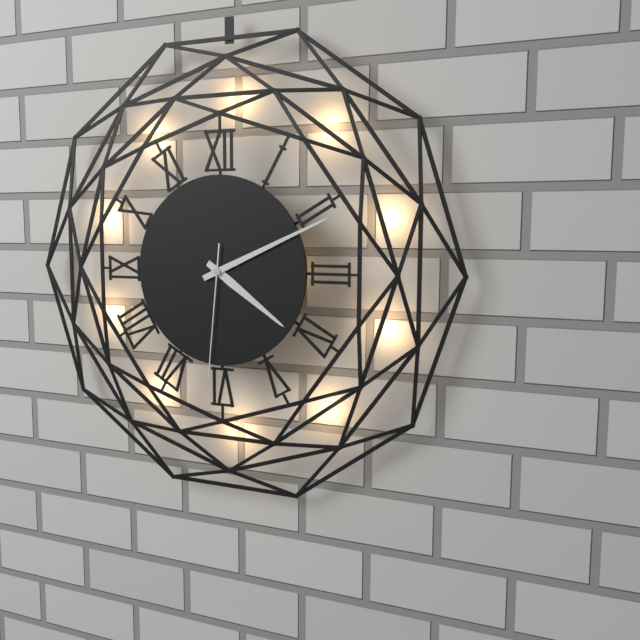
h=4 m=11 s=31
